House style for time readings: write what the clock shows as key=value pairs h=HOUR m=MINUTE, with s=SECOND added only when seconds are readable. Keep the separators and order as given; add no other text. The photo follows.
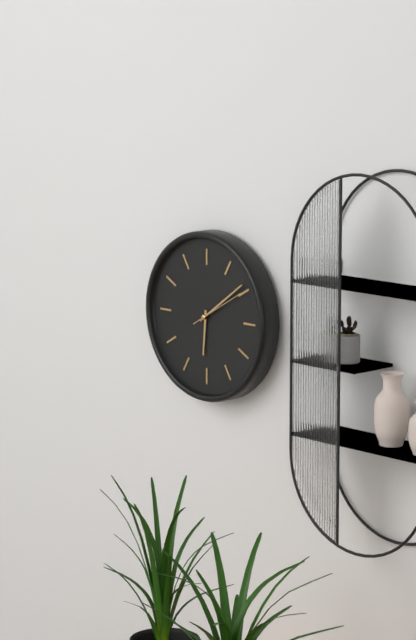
h=6 m=9
